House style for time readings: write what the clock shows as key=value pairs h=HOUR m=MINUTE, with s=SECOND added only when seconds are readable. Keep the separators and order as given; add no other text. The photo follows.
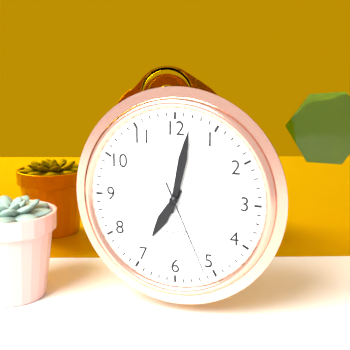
h=7 m=2 s=26
